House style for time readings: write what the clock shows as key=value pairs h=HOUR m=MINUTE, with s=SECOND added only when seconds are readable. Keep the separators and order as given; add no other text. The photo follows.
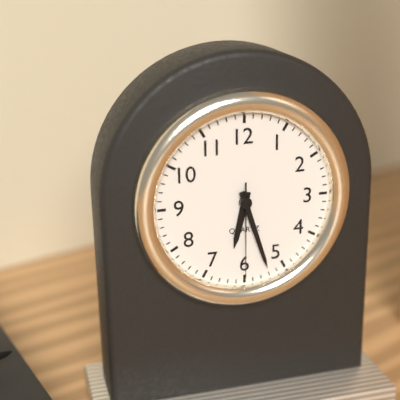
h=6 m=27 s=30
